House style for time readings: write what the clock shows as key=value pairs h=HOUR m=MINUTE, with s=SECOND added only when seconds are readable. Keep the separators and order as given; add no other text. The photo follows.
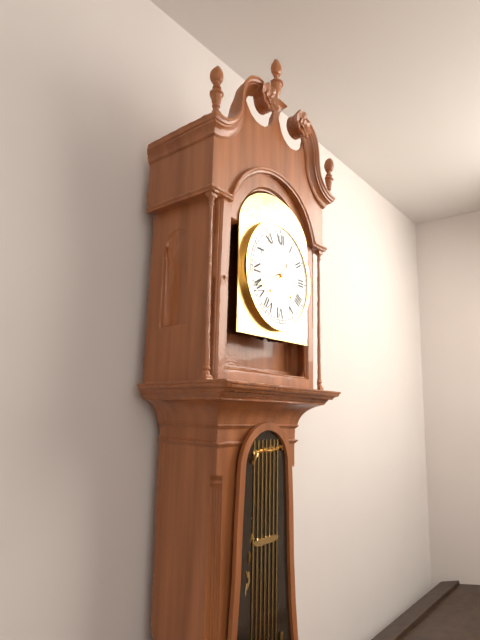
h=1 m=41
